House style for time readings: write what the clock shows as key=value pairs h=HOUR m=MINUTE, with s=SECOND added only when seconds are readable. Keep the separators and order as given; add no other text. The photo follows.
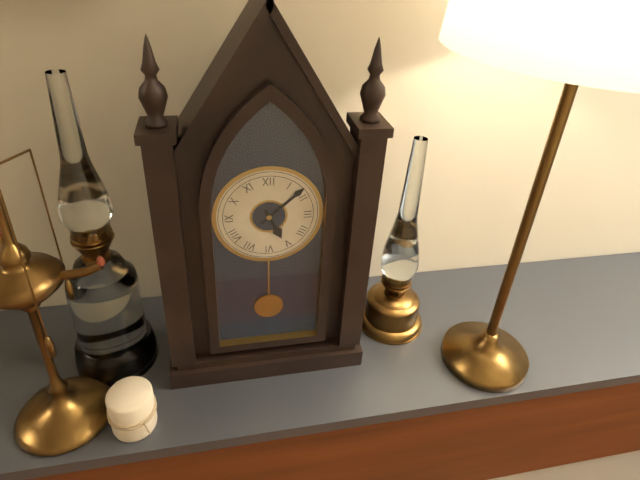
h=5 m=8
